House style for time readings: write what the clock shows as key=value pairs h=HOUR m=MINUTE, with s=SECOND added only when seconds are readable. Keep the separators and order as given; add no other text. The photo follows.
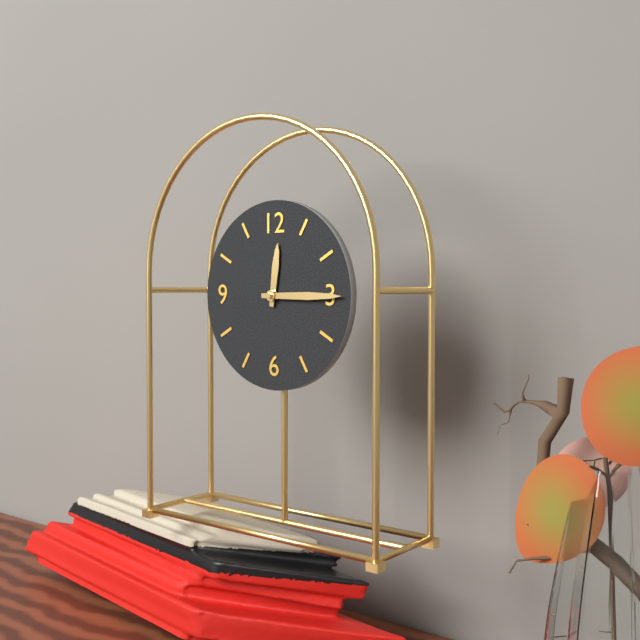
h=12 m=15
